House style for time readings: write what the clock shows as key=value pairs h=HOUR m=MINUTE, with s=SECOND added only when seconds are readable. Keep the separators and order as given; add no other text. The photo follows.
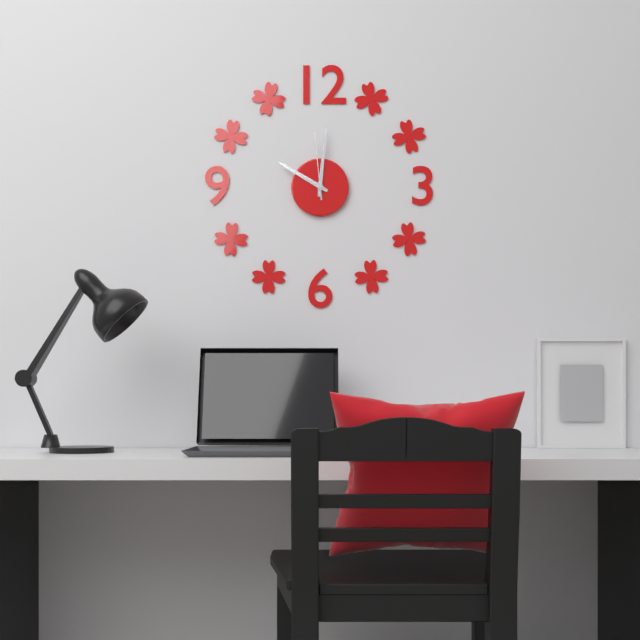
h=10 m=1 s=59
